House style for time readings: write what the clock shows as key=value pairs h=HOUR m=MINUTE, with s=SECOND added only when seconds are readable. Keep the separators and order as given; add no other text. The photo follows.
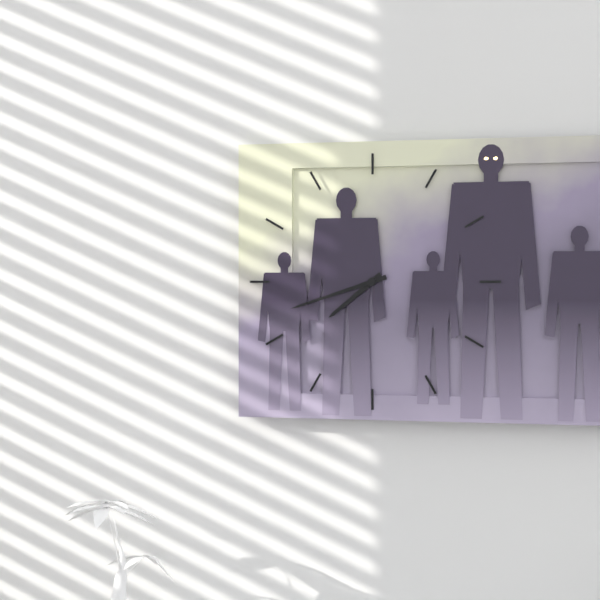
h=7 m=42
